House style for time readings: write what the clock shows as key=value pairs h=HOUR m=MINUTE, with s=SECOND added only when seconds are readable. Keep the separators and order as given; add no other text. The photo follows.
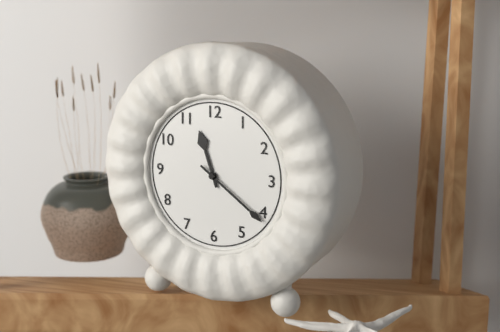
h=11 m=21
